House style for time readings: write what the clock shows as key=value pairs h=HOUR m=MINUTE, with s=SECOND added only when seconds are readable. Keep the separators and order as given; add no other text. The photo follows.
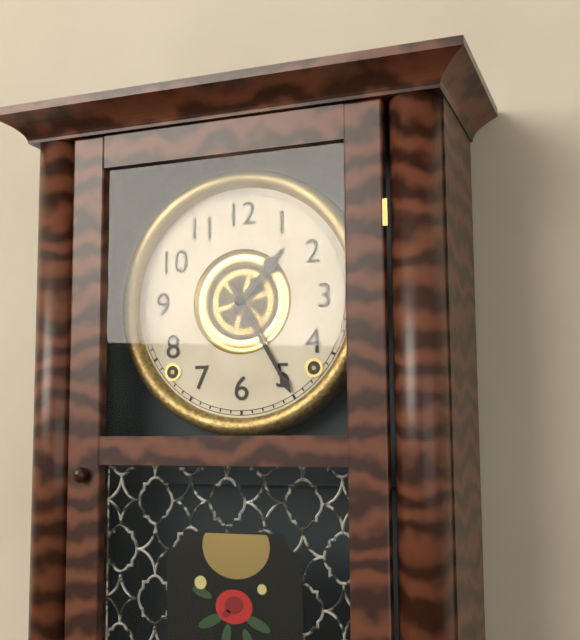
h=1 m=25
